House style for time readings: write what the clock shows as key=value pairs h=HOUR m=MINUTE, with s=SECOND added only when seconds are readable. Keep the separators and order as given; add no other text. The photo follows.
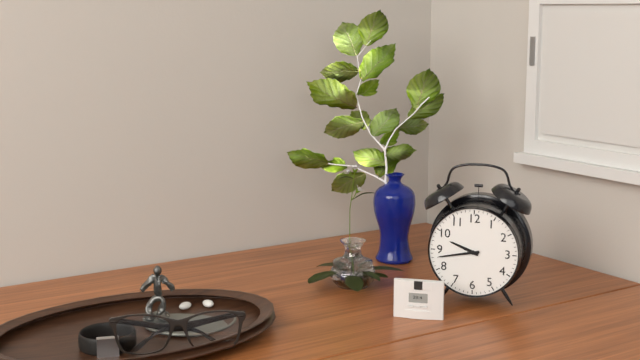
h=9 m=43
